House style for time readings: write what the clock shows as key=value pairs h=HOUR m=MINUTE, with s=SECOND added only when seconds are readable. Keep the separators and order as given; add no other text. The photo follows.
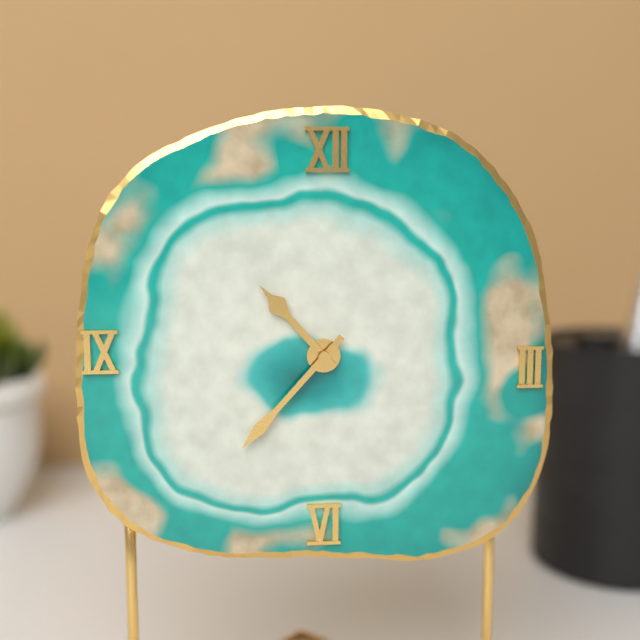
h=10 m=37
